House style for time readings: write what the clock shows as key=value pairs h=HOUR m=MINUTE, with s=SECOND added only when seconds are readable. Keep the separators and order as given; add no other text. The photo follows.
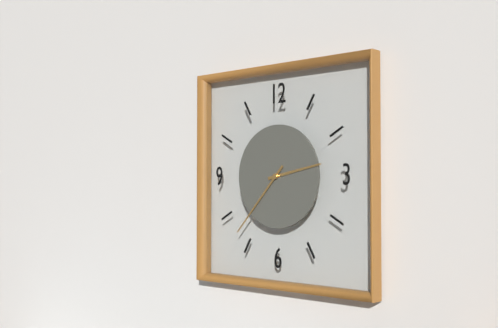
h=2 m=37
